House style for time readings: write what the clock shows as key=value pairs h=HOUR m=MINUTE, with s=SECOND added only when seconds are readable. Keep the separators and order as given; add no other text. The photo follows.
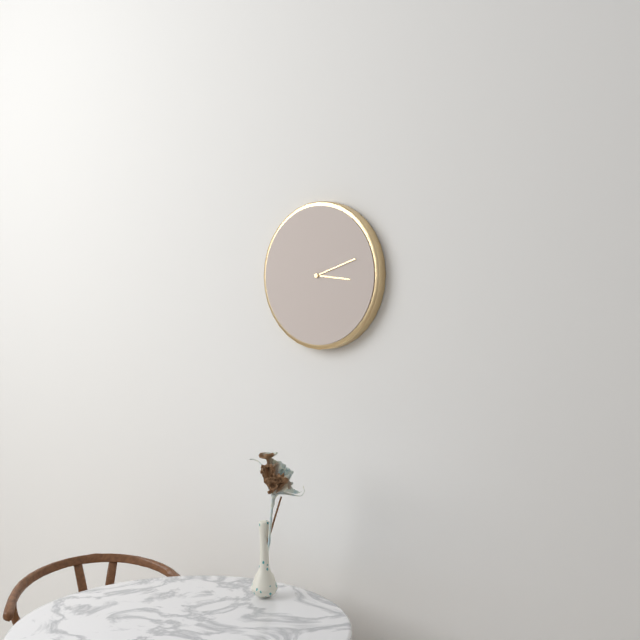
h=3 m=12
